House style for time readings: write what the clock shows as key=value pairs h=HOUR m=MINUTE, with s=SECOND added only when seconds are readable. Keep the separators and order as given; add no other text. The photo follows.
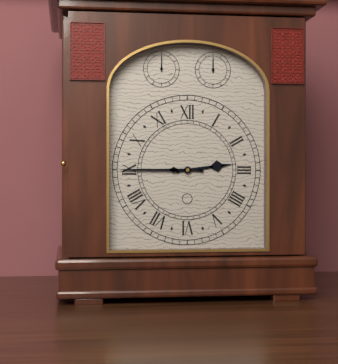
h=2 m=45
